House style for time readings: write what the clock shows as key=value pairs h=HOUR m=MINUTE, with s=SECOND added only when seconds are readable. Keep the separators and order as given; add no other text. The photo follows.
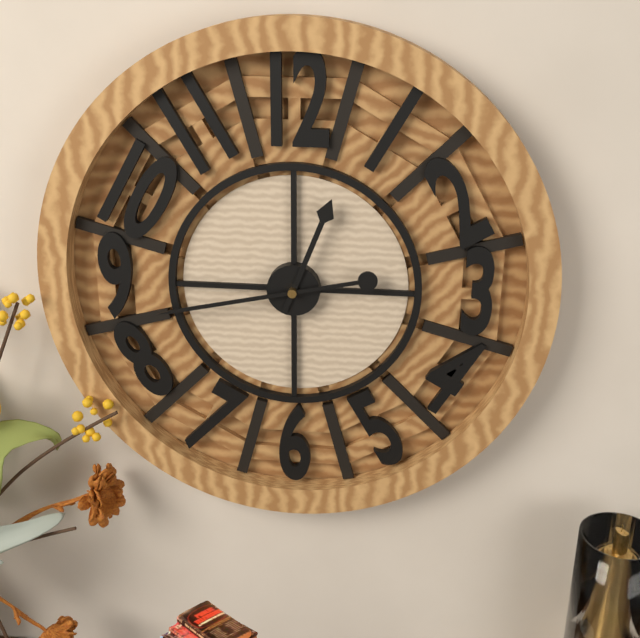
h=12 m=43
